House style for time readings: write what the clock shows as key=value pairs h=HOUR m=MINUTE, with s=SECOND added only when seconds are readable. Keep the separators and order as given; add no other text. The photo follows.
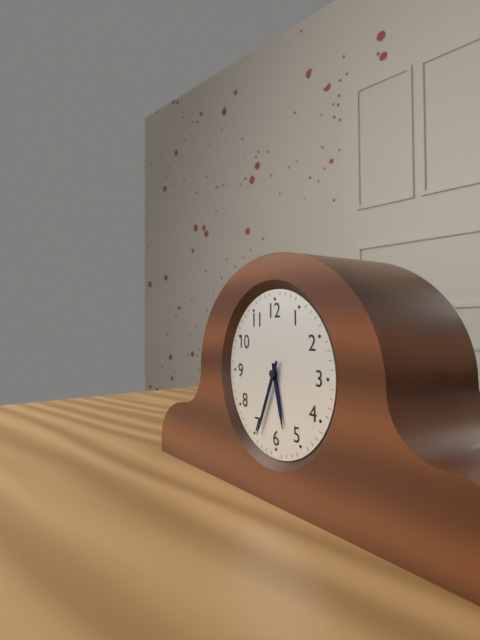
h=5 m=34
